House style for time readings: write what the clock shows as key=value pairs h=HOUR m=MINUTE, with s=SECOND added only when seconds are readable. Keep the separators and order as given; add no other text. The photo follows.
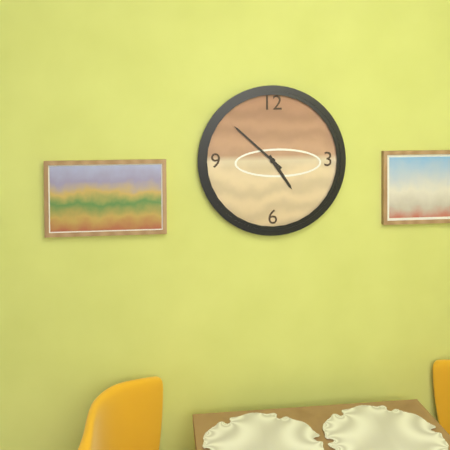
h=4 m=52
